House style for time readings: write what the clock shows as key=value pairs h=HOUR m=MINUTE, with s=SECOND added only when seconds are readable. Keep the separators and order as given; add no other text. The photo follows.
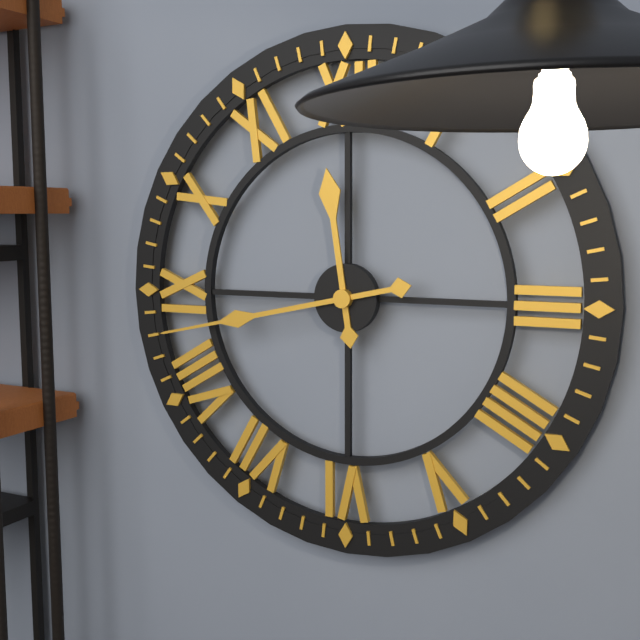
h=11 m=43
